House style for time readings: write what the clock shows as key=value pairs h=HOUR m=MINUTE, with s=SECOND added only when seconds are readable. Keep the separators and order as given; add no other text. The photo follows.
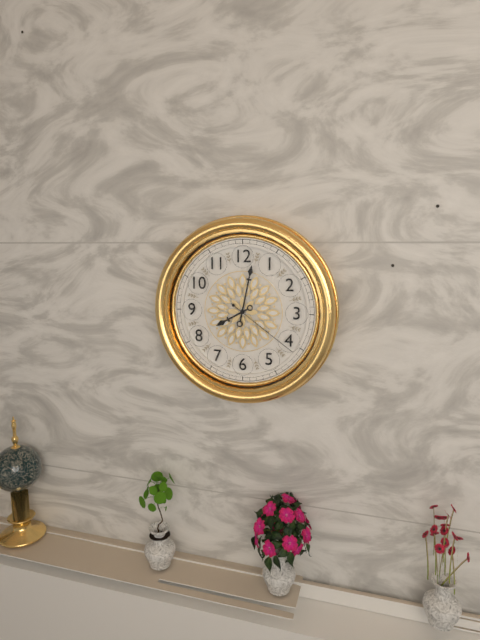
h=8 m=2 s=21
